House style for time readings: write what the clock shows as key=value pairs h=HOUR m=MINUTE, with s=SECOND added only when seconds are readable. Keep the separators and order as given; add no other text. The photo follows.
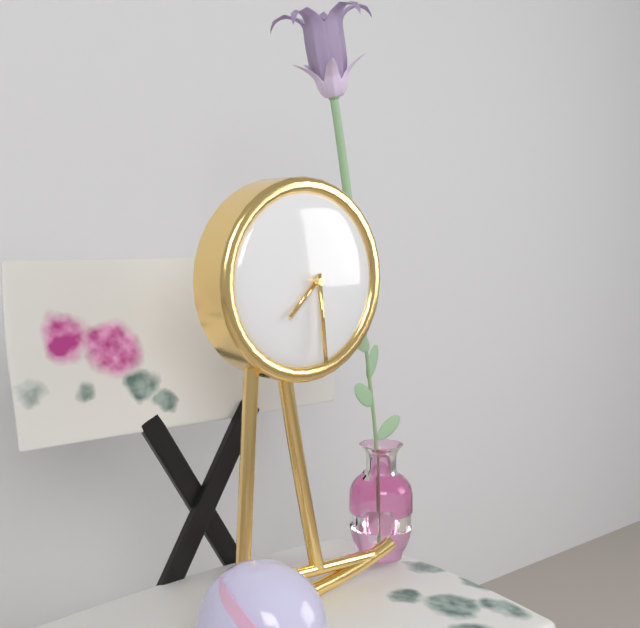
h=7 m=29
